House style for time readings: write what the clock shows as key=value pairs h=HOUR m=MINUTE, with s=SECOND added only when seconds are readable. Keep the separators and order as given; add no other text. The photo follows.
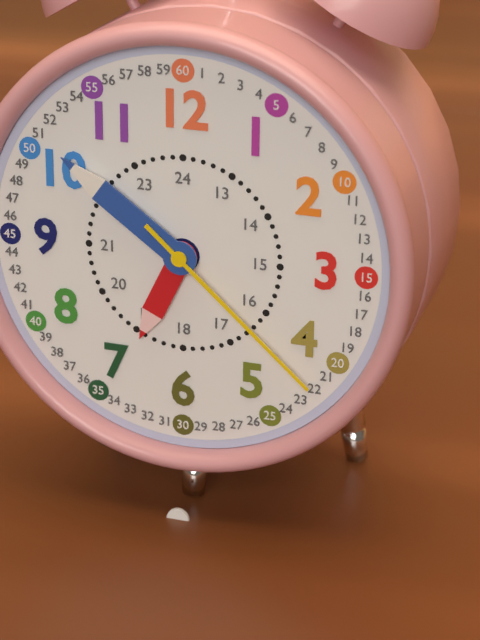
h=6 m=51 s=22
